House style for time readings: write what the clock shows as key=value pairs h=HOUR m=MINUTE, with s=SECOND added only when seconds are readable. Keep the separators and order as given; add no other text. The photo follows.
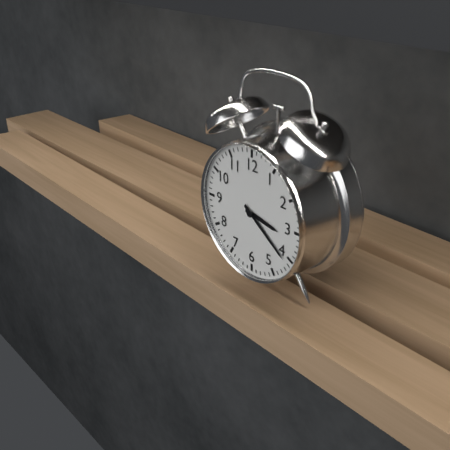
h=3 m=21
